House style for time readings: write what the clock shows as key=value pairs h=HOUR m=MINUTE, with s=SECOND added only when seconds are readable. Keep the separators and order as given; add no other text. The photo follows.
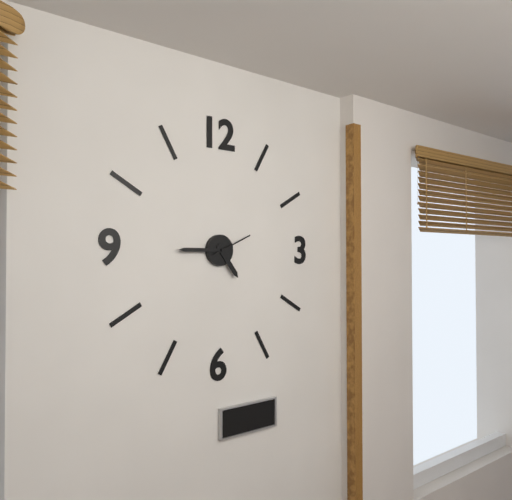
h=4 m=45
